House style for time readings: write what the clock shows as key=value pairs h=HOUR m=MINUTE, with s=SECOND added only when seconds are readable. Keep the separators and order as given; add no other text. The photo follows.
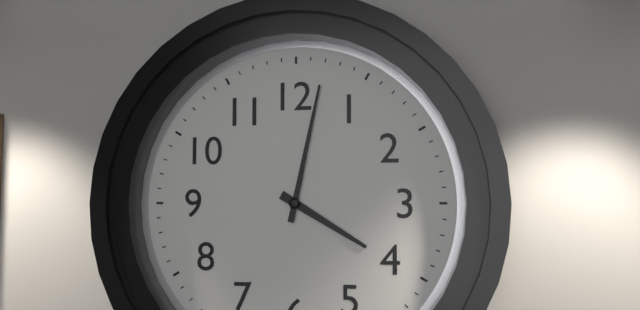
h=4 m=2
